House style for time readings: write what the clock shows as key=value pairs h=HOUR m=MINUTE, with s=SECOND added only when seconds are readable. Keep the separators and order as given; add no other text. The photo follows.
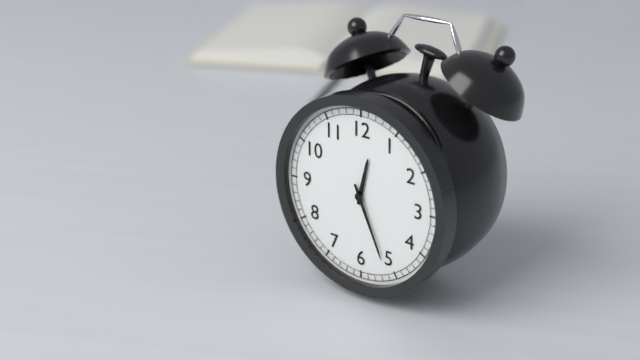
h=12 m=26
